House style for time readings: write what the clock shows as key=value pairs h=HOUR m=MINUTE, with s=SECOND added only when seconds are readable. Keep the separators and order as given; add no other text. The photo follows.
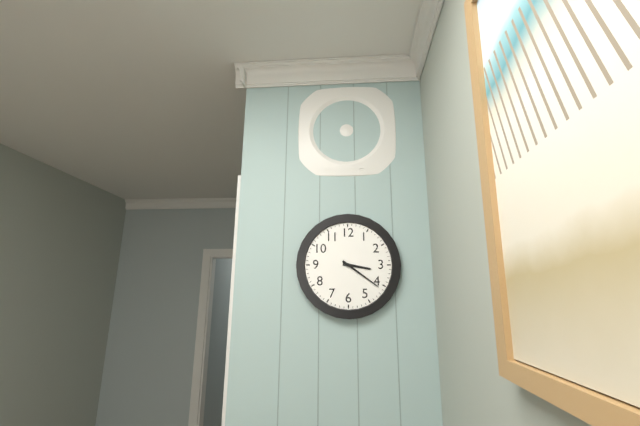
h=3 m=21
